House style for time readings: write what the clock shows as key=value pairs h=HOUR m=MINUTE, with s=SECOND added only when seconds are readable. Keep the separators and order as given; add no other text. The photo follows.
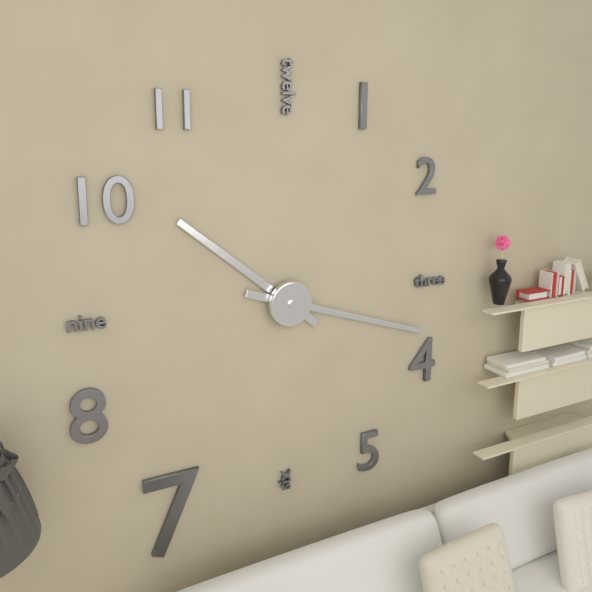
h=10 m=18
